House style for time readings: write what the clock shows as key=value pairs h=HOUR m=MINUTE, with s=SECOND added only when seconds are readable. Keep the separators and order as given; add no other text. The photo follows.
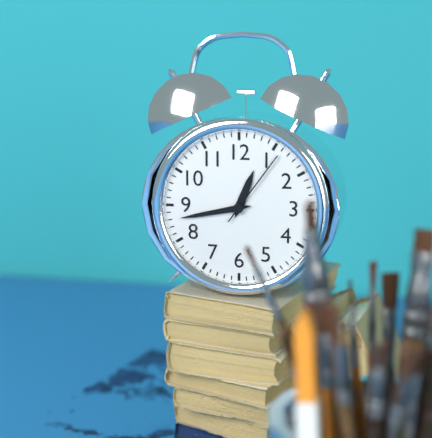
h=12 m=43 s=6
